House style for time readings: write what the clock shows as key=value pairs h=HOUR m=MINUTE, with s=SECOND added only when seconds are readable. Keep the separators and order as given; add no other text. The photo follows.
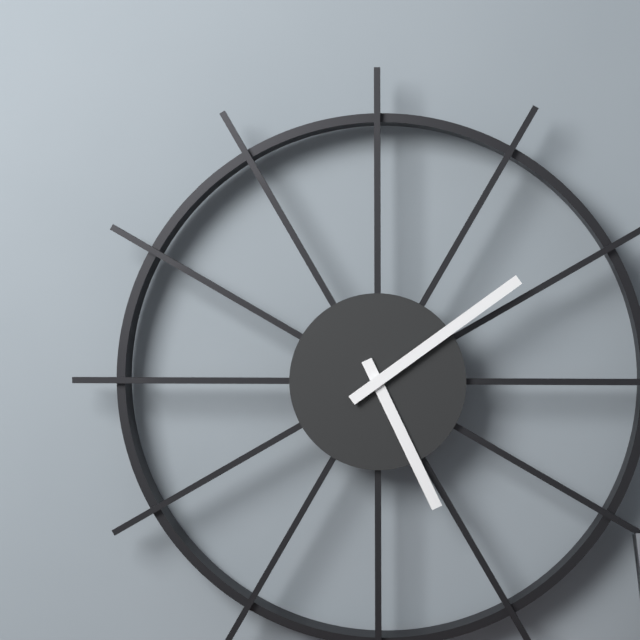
h=5 m=9
